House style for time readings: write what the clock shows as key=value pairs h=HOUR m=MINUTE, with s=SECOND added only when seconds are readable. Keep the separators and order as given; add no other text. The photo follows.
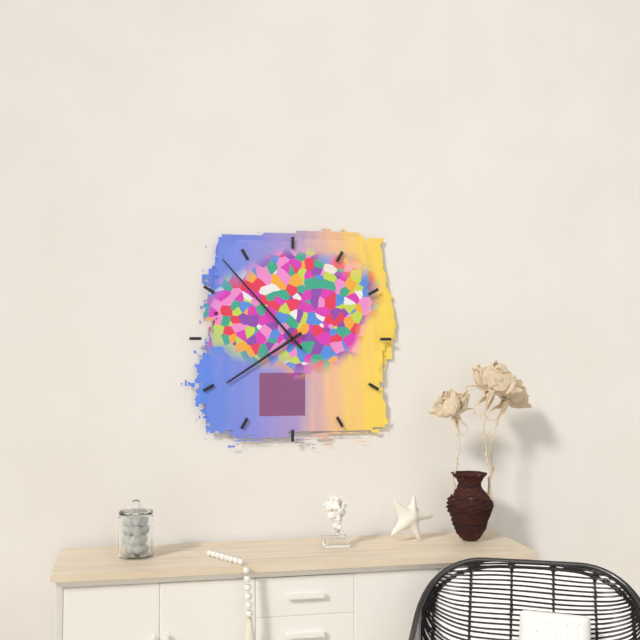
h=7 m=53
